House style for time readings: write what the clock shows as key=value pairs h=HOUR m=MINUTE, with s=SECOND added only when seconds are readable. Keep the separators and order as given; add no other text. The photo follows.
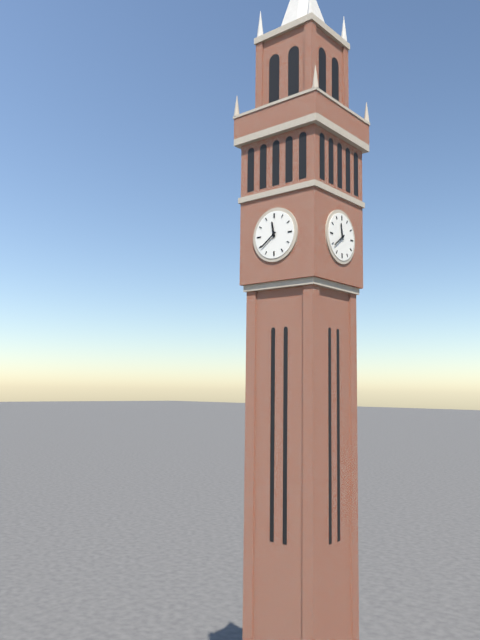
h=11 m=39
